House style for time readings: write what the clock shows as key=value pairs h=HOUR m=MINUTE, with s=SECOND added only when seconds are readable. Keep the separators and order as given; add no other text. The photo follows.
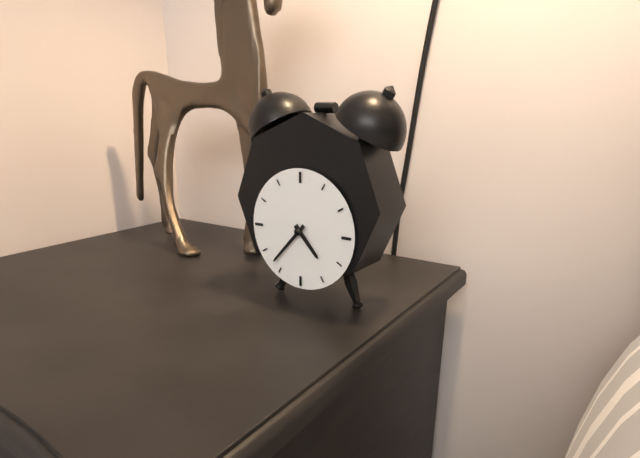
h=4 m=37
